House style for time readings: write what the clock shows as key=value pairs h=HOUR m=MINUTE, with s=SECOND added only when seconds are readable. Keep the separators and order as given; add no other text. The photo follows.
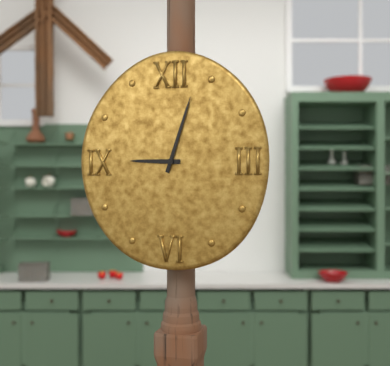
h=9 m=3
